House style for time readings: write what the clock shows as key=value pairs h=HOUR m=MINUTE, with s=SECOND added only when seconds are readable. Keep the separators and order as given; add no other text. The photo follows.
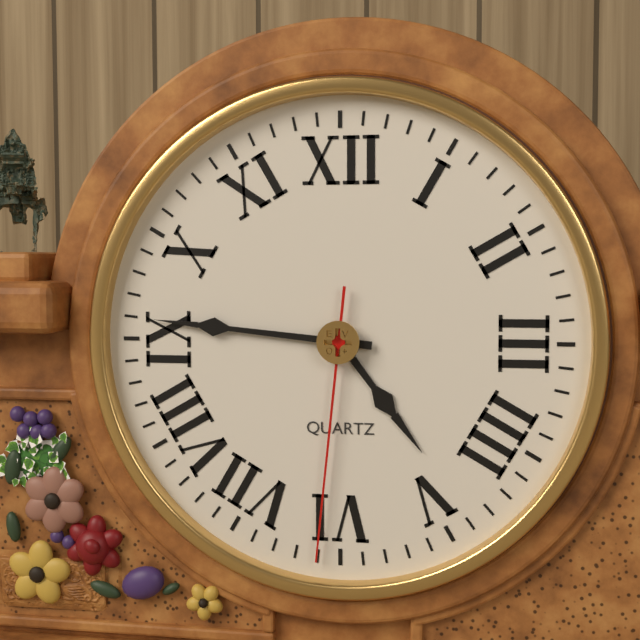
h=4 m=46 s=31
